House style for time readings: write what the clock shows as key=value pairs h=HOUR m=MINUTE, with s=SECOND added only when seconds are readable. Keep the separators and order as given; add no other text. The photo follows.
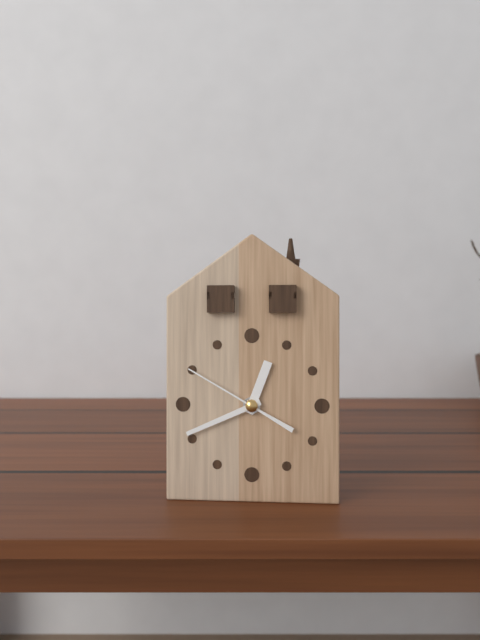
h=12 m=41 s=50
